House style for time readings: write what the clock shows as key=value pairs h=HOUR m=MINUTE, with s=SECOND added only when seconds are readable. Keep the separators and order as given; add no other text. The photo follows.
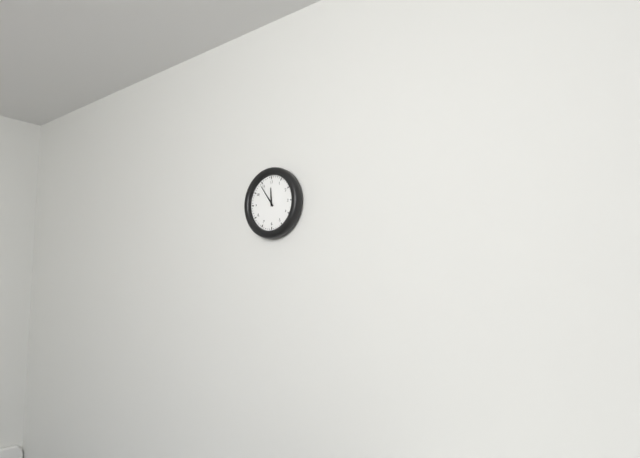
h=11 m=54
